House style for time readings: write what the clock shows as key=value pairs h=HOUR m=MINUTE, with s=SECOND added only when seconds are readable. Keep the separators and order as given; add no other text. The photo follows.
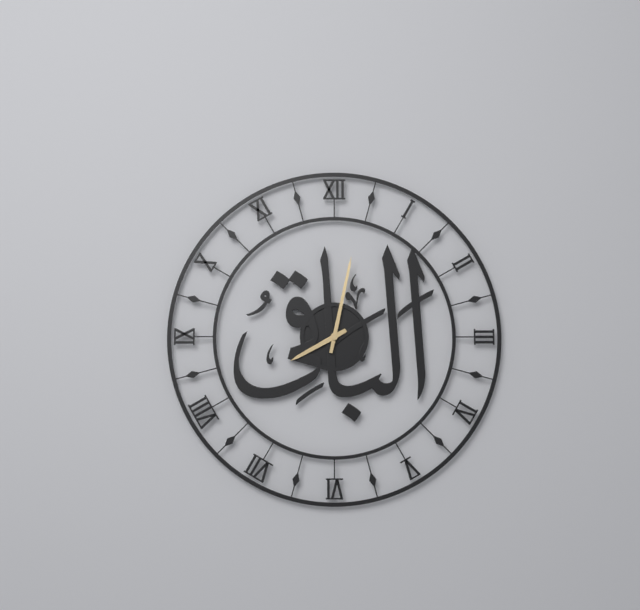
h=8 m=2
